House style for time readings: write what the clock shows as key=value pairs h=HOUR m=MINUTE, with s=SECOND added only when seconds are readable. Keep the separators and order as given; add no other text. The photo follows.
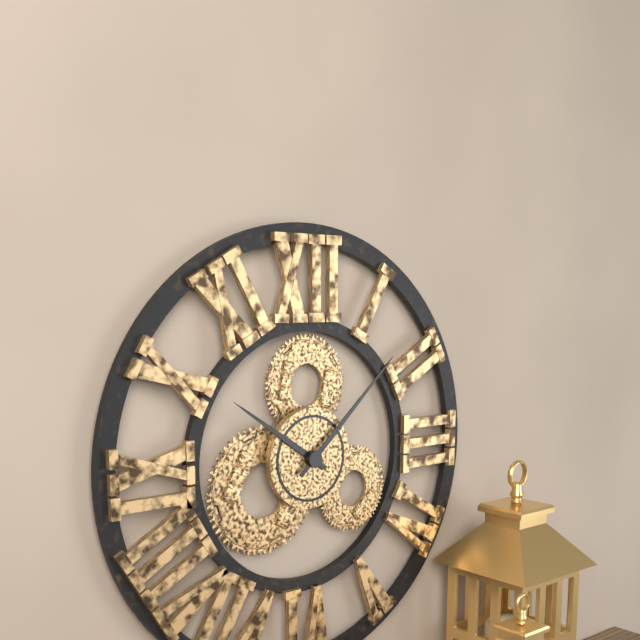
h=10 m=8
